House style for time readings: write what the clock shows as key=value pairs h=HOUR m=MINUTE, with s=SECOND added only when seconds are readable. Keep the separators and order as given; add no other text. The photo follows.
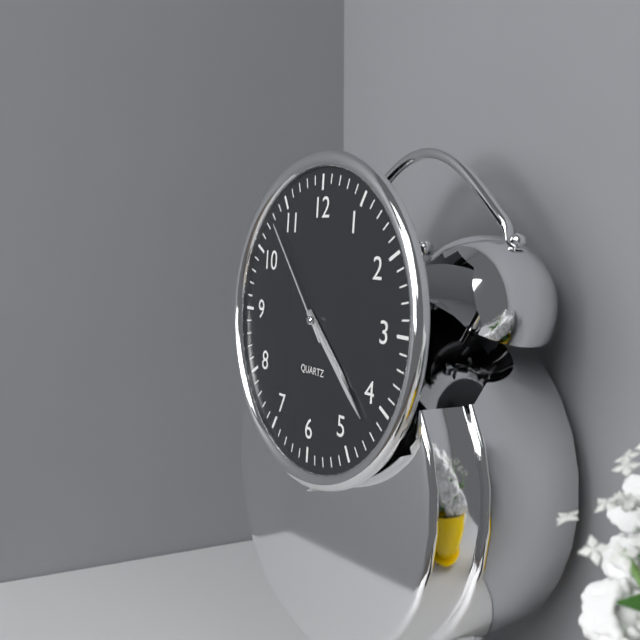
h=4 m=22 s=53
